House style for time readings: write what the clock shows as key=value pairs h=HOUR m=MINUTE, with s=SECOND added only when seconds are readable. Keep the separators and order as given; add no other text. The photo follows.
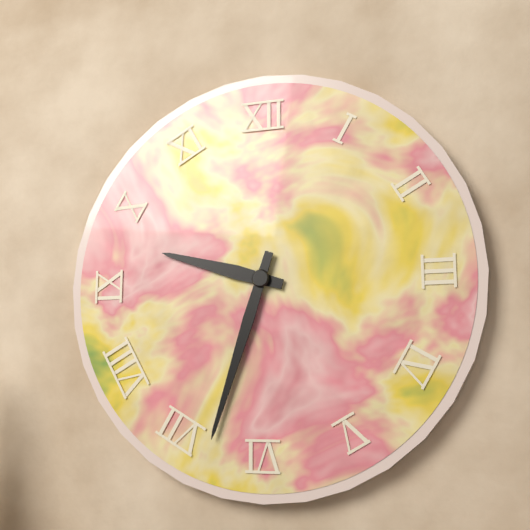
h=9 m=33
